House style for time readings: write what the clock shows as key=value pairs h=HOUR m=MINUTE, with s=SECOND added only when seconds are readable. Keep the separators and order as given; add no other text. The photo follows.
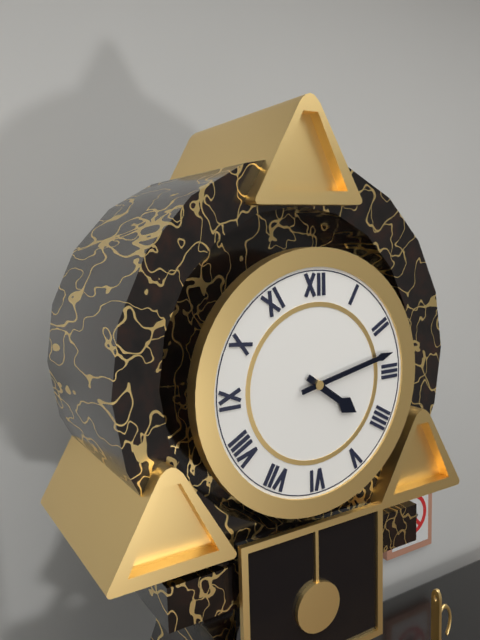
h=4 m=13
